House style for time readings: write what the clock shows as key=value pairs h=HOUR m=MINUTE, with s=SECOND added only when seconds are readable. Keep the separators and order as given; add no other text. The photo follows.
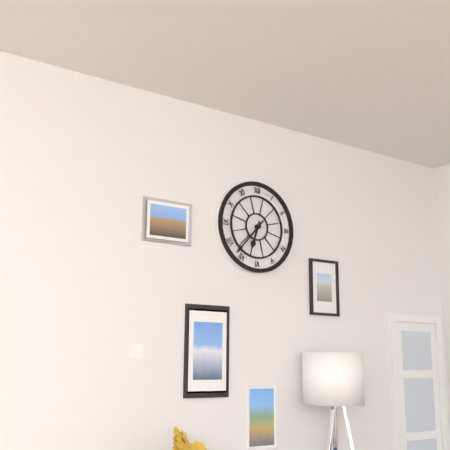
h=6 m=37
